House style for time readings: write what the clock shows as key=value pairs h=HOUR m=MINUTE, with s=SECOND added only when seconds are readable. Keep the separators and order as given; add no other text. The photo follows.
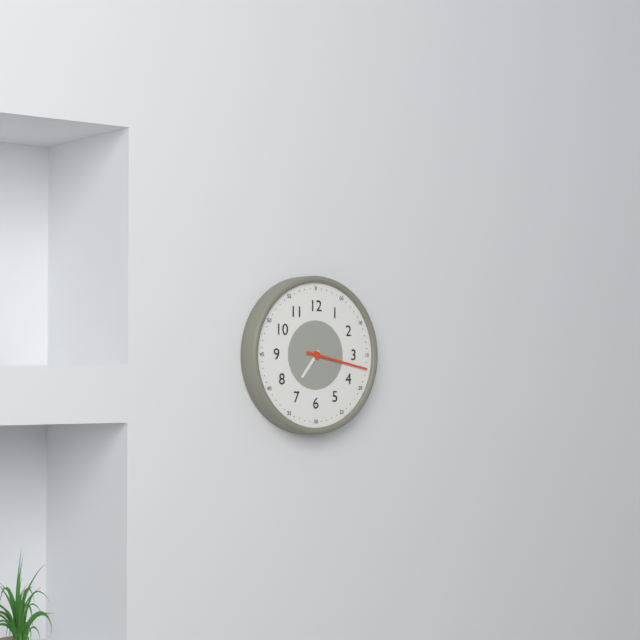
h=7 m=17
